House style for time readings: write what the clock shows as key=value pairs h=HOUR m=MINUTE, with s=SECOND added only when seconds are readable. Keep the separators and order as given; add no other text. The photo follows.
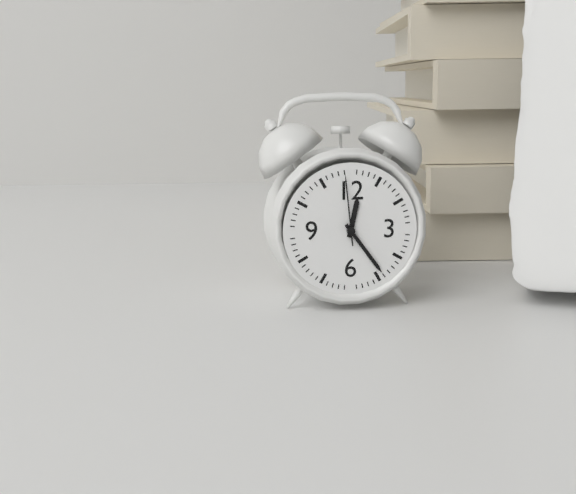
h=12 m=24 s=59
